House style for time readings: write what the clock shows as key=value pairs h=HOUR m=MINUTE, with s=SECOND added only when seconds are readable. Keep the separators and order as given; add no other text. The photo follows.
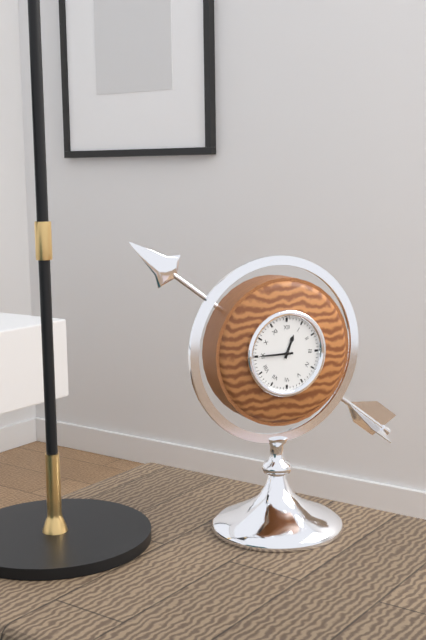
h=12 m=45
